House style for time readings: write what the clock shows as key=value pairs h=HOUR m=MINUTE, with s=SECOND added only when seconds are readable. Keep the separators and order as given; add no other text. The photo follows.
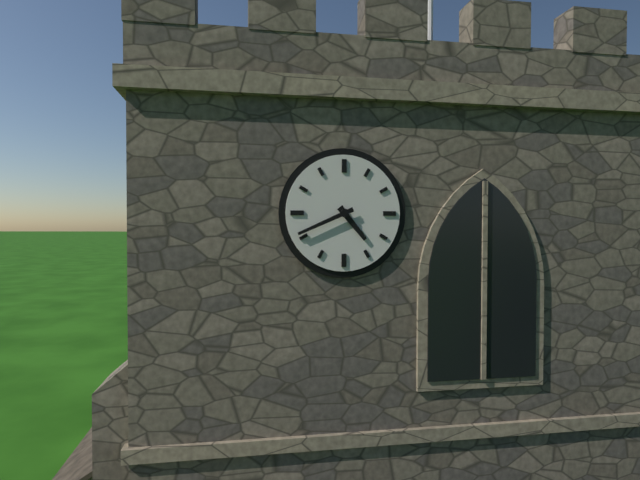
h=4 m=41
